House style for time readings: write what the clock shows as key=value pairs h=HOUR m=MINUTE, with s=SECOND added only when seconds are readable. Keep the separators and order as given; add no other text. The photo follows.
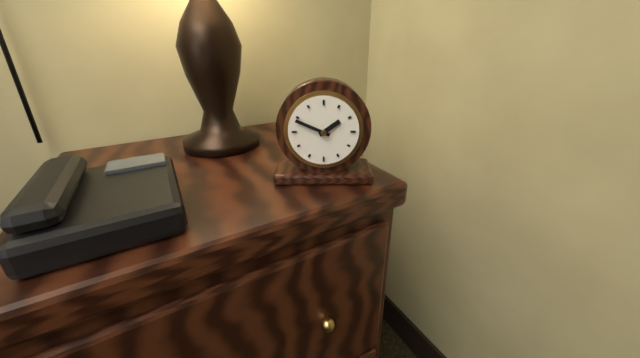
h=1 m=49
